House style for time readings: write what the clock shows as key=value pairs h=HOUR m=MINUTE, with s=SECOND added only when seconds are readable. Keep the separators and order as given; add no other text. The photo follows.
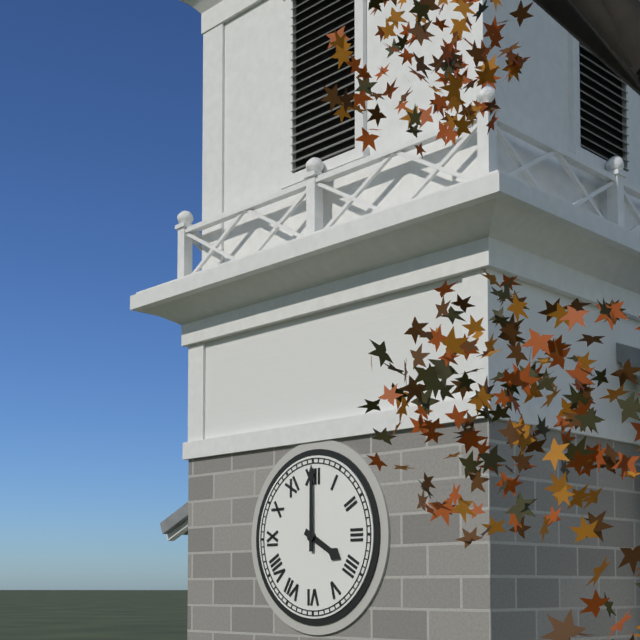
h=4 m=0
